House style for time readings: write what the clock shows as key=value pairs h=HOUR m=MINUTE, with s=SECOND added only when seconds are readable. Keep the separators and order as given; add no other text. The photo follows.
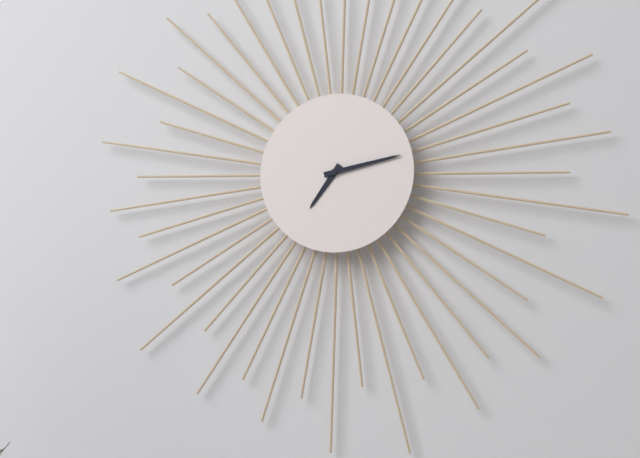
h=7 m=13
